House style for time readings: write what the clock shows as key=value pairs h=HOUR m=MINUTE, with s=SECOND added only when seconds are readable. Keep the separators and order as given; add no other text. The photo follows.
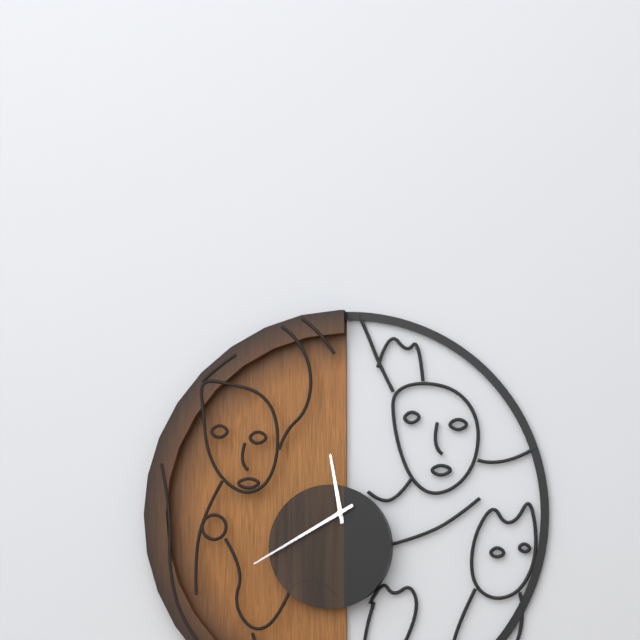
h=11 m=40
